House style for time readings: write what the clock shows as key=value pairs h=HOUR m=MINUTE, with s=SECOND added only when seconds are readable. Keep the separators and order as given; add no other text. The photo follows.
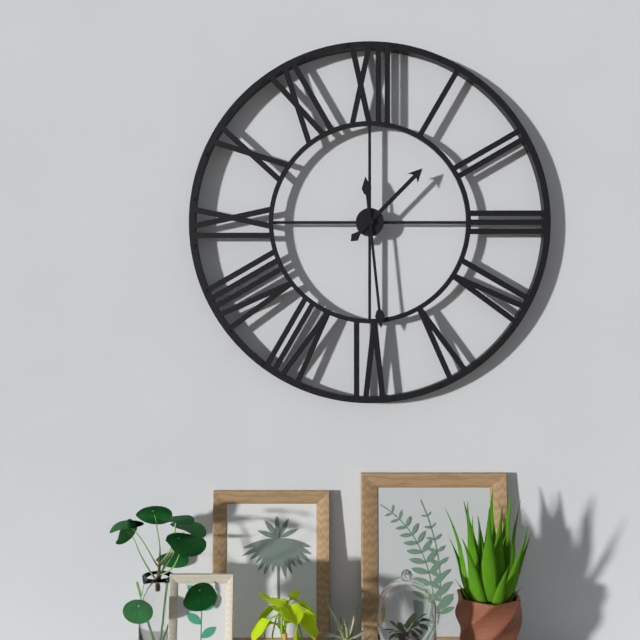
h=1 m=29
